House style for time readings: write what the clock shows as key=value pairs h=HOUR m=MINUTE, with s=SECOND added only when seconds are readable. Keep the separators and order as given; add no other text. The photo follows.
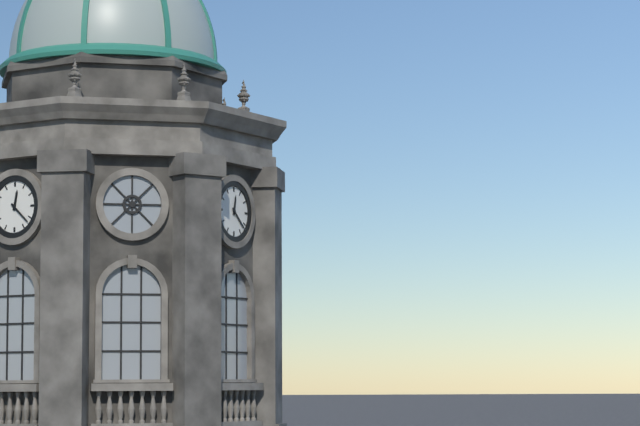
h=12 m=22
